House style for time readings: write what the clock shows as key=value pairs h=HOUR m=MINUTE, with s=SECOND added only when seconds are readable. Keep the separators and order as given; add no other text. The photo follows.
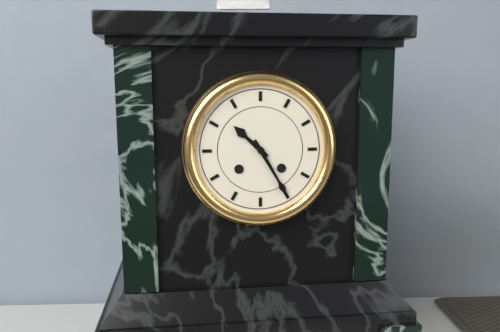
h=10 m=25
